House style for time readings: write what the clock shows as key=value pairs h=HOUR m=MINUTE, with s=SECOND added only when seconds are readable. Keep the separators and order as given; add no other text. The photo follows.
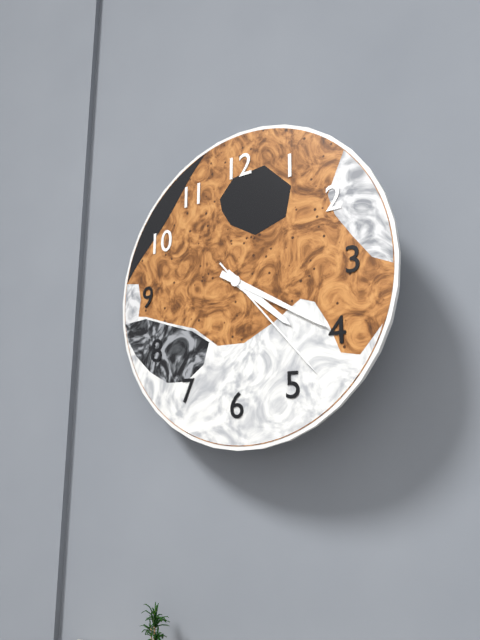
h=4 m=20 s=23
